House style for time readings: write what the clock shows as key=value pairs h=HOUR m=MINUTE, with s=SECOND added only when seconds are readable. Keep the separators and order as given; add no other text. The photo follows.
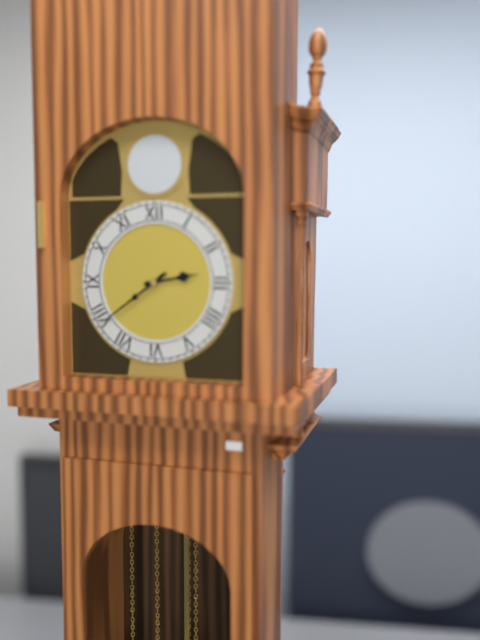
h=2 m=39
